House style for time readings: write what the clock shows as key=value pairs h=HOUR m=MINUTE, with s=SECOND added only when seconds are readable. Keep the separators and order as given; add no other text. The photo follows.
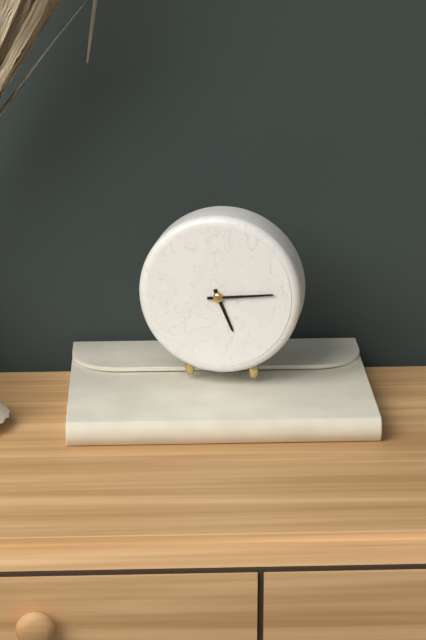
h=5 m=14
